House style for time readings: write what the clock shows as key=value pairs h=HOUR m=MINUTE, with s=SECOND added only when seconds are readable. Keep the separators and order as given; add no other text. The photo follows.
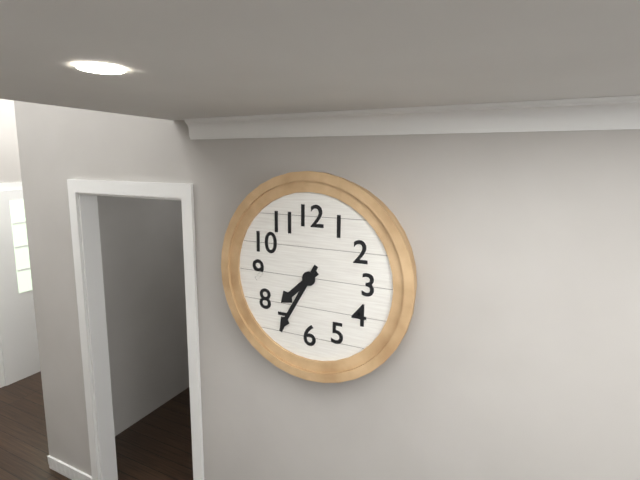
h=7 m=35
